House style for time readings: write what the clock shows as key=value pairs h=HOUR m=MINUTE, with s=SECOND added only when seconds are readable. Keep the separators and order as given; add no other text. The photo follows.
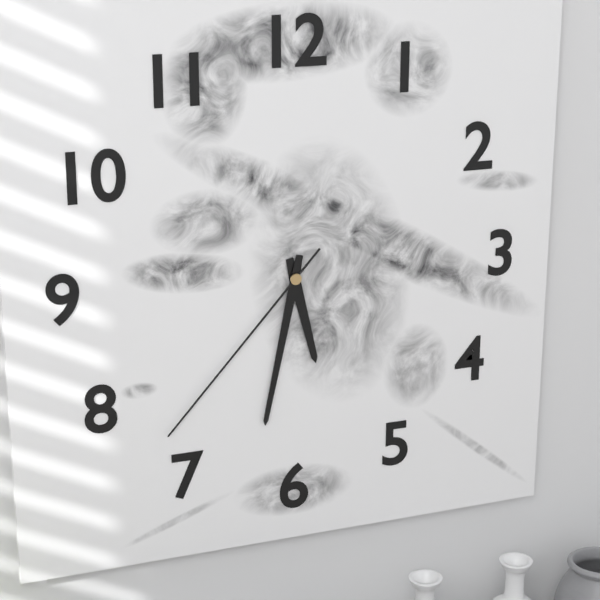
h=5 m=32 s=37
